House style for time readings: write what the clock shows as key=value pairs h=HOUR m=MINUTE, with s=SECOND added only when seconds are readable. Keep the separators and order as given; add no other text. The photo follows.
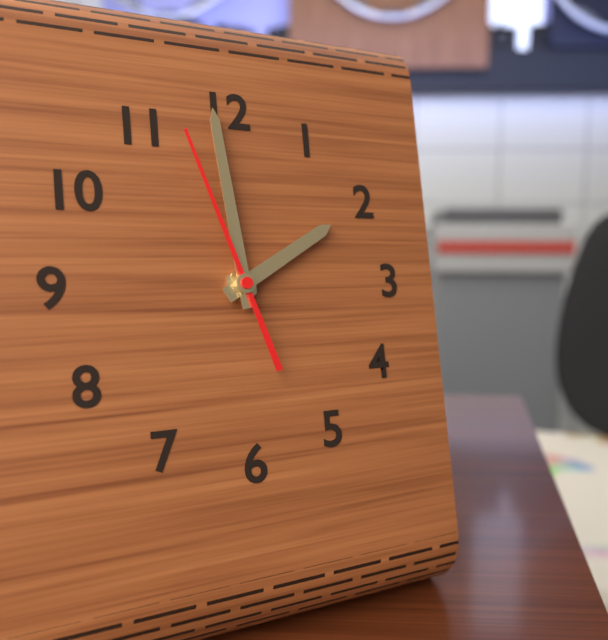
h=1 m=59 s=57
